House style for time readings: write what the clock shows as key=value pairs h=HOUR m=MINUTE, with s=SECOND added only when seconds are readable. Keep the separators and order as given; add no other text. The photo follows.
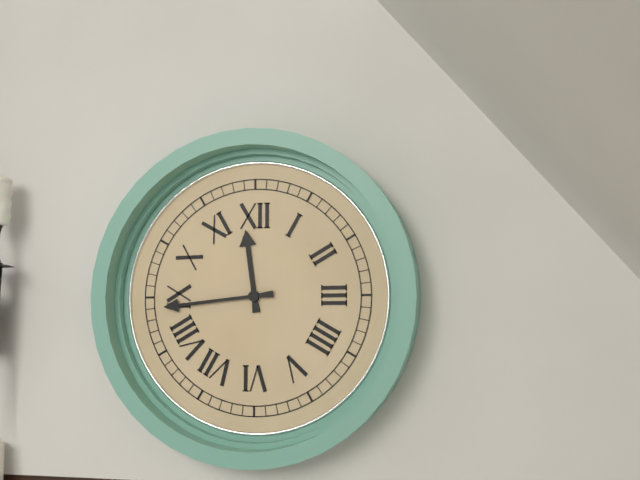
h=11 m=44
